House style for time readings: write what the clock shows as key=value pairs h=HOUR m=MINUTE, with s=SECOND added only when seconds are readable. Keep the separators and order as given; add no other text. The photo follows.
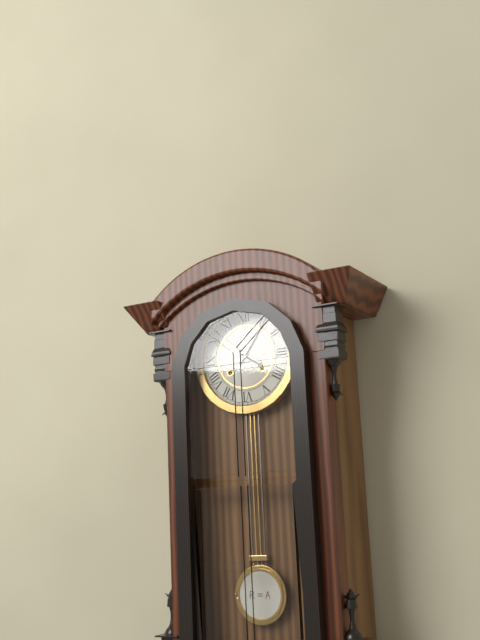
h=4 m=6
